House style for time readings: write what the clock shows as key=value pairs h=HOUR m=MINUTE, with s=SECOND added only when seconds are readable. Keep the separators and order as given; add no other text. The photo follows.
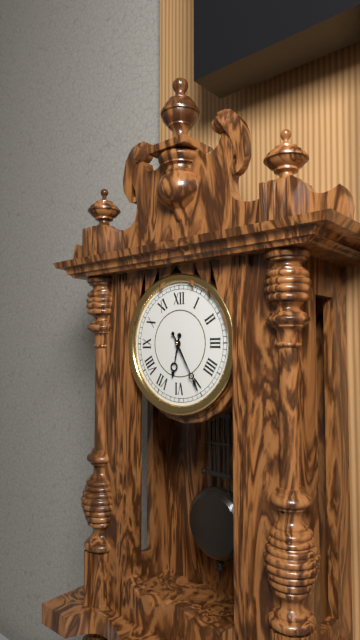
h=6 m=25
